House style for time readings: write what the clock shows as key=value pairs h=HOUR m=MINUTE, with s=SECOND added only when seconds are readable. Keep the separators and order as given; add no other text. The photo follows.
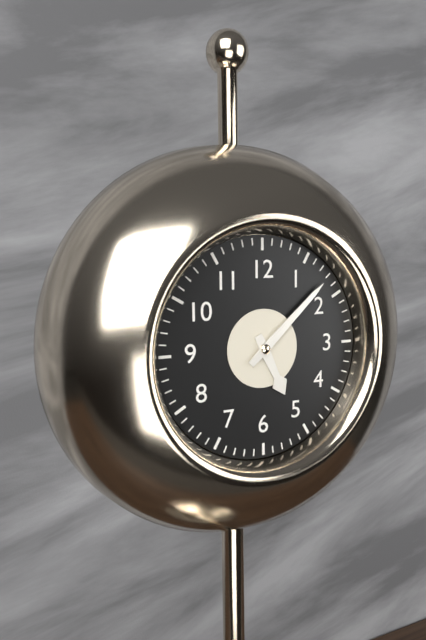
h=5 m=8
